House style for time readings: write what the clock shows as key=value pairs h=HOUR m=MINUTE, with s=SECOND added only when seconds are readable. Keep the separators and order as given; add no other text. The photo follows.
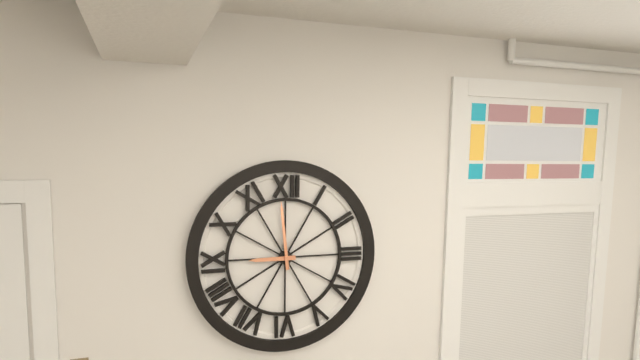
h=8 m=59
